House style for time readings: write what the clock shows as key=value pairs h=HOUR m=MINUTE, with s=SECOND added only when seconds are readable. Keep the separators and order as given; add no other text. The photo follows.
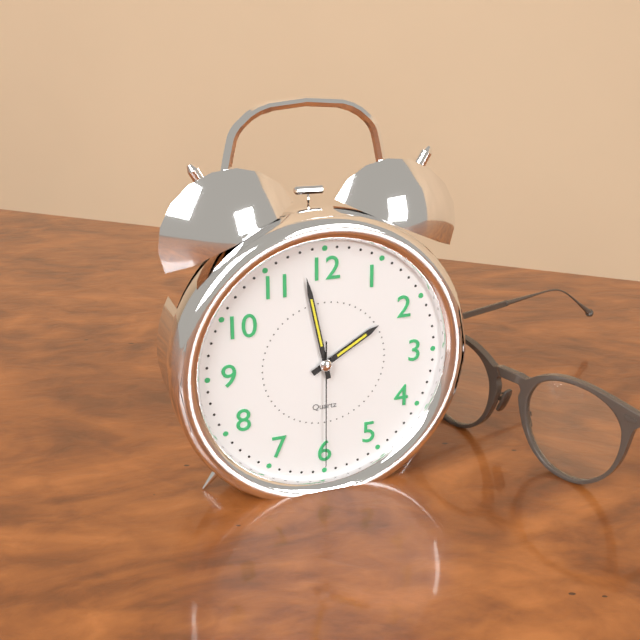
h=1 m=58 s=30
